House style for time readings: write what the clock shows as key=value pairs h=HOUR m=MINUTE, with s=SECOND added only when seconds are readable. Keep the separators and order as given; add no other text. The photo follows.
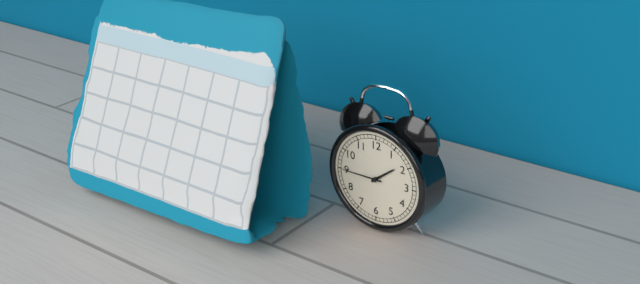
h=1 m=45
